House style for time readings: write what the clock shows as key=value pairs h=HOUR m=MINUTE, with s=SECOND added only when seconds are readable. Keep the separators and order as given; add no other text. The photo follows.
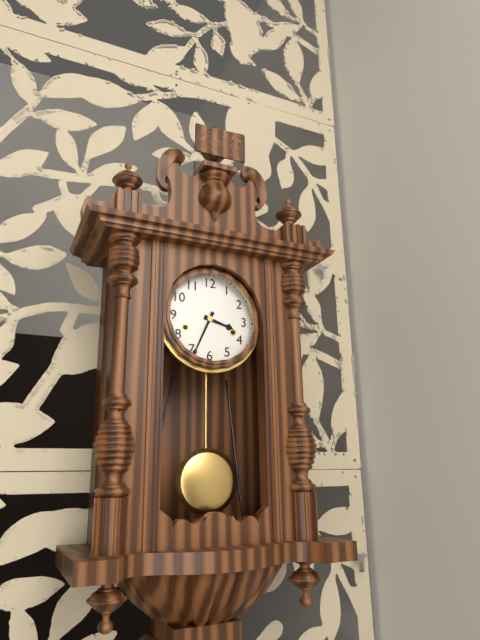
h=3 m=34
